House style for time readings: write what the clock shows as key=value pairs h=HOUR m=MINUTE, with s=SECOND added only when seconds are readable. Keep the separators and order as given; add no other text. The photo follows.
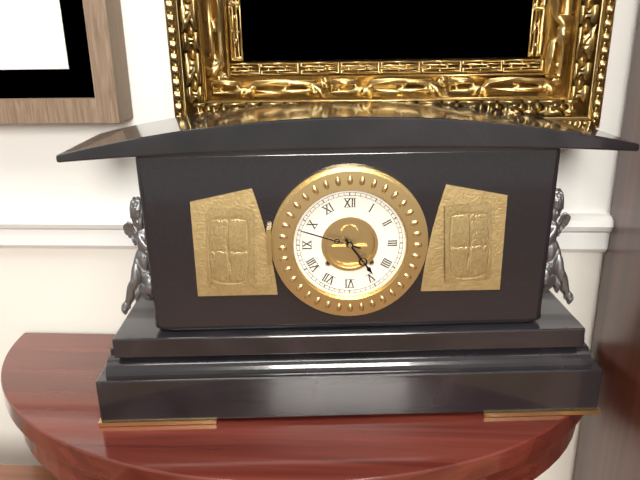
h=4 m=48
